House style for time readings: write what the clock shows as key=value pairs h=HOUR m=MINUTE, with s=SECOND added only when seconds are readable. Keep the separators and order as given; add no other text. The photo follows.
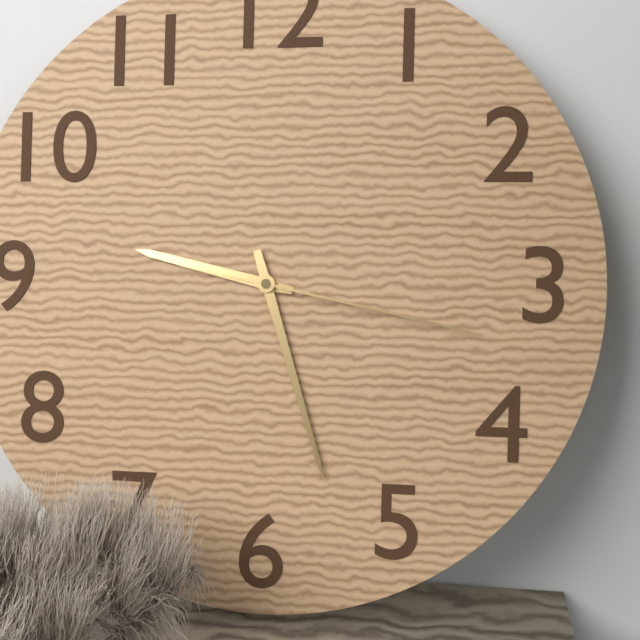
h=9 m=27 s=17
